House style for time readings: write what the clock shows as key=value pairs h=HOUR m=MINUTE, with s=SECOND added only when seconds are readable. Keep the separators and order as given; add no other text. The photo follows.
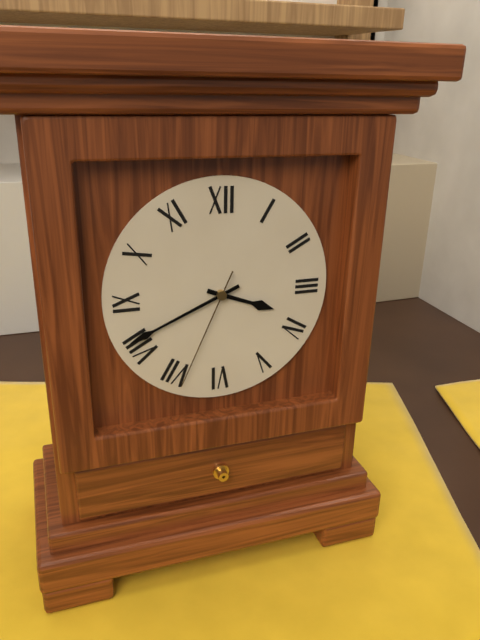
h=3 m=41 s=34
